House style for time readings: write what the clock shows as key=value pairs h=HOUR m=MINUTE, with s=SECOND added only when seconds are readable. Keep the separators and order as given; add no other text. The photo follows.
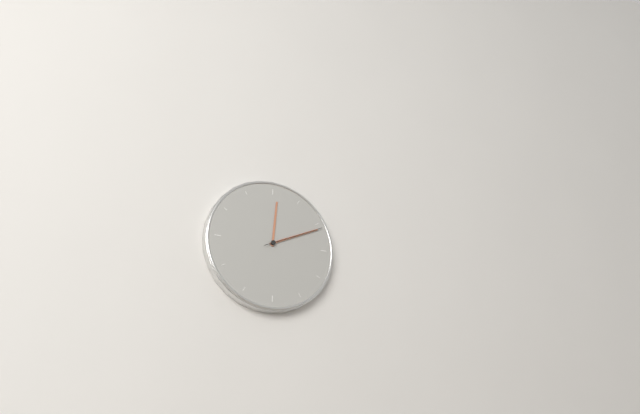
h=12 m=11 s=11
